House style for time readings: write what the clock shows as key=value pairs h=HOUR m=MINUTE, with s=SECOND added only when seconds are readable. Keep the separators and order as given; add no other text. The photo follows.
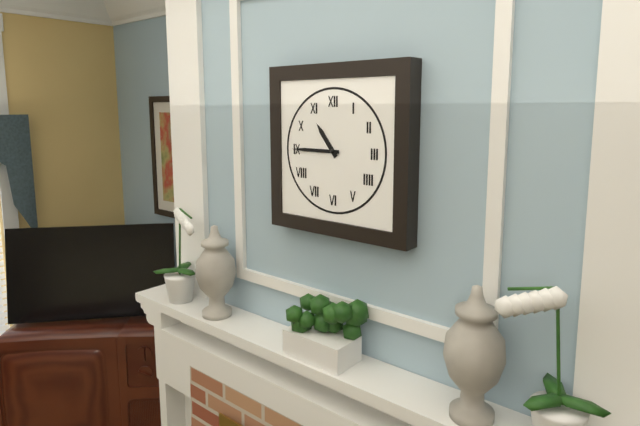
h=10 m=45
